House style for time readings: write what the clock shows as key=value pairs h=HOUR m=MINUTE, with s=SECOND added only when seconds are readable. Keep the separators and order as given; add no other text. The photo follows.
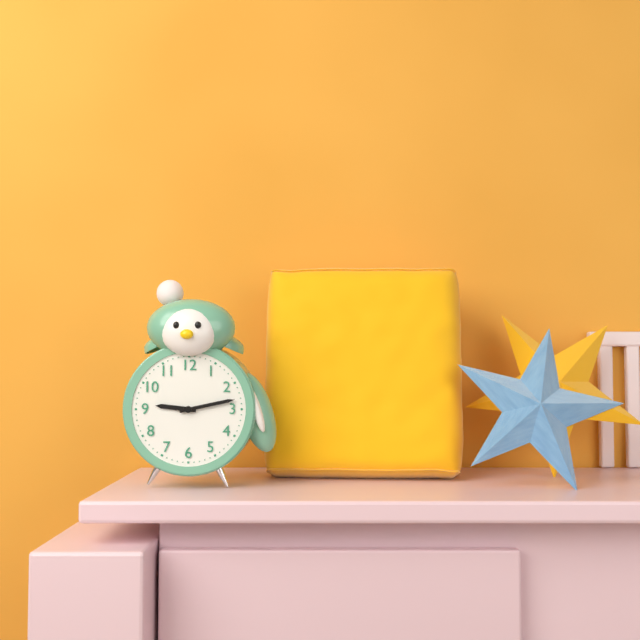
h=9 m=13
